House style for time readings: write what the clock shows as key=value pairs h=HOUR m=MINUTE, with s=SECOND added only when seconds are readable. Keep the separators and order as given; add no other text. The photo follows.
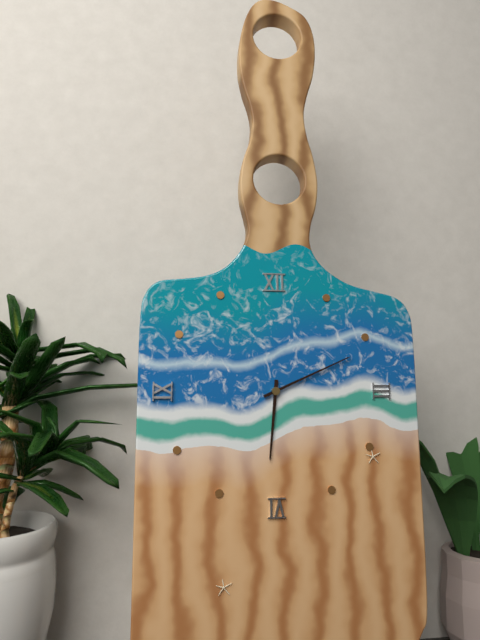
h=6 m=11
